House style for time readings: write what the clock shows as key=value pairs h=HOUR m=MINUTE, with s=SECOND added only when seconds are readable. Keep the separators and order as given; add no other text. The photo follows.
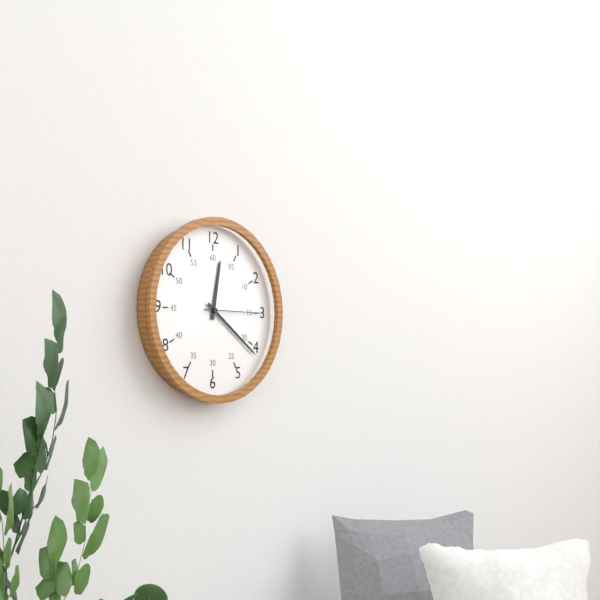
h=12 m=21 s=15
